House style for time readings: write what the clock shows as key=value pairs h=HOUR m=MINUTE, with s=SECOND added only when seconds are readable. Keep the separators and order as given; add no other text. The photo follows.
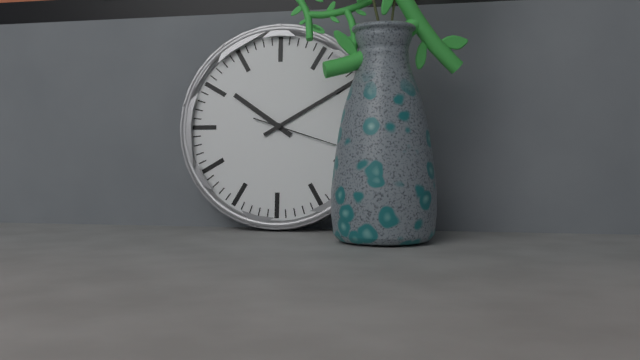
h=10 m=10 s=18
